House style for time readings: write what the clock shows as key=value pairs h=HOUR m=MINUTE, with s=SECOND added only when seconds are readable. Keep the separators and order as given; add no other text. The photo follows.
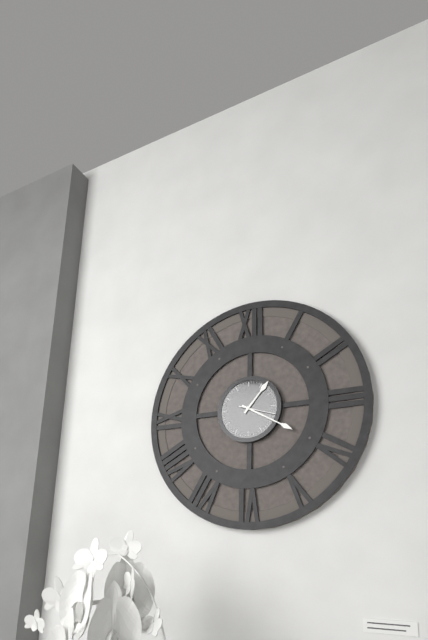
h=1 m=20
